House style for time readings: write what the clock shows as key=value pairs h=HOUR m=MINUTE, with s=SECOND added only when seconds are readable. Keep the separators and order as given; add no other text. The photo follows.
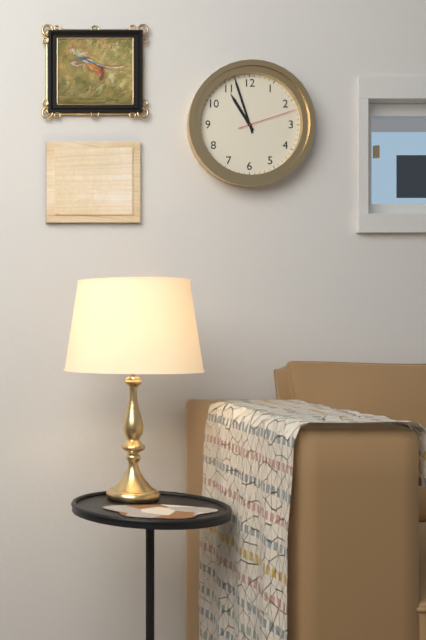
h=10 m=57 s=12
